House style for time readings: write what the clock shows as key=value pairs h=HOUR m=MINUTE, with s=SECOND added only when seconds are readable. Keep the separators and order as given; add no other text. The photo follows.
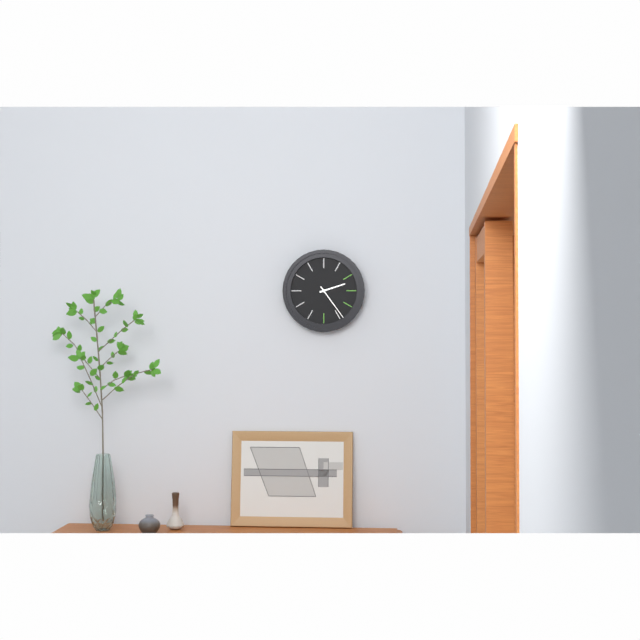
h=2 m=24
